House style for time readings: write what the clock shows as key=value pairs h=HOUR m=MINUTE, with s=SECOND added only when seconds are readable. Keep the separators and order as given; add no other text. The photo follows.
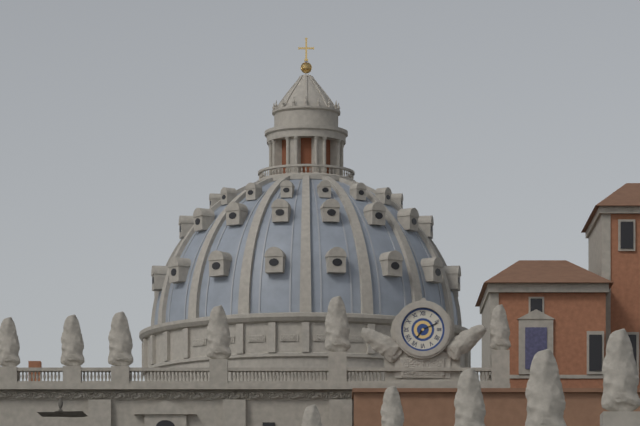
h=7 m=11
